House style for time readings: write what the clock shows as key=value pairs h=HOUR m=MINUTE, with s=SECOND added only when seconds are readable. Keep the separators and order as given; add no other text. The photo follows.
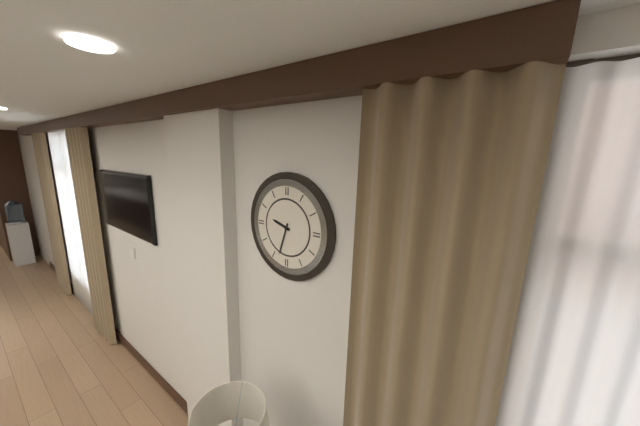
h=9 m=33
